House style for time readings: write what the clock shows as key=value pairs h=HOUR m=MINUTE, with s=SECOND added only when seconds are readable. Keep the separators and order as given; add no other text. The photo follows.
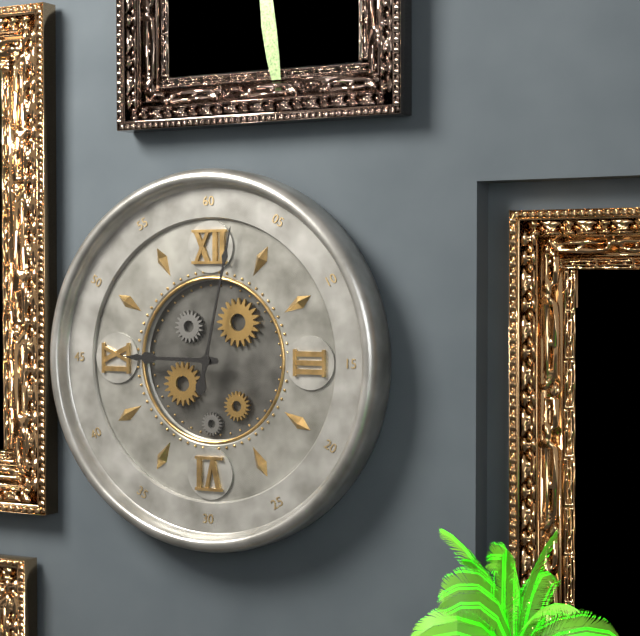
h=9 m=2
